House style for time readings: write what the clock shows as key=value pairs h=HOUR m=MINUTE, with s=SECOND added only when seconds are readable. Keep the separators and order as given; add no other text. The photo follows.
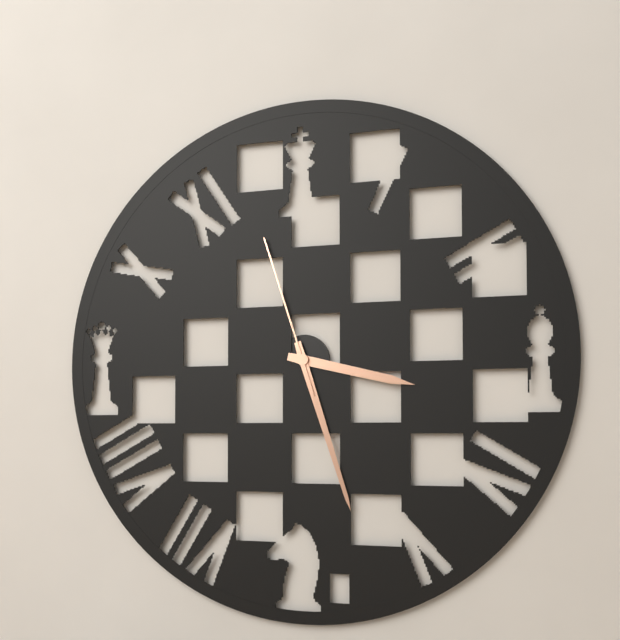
h=3 m=27 s=57
